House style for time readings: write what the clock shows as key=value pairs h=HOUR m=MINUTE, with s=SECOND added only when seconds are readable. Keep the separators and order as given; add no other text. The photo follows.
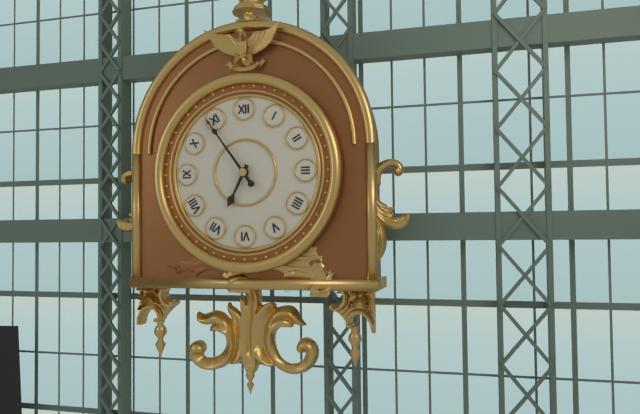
h=6 m=54
